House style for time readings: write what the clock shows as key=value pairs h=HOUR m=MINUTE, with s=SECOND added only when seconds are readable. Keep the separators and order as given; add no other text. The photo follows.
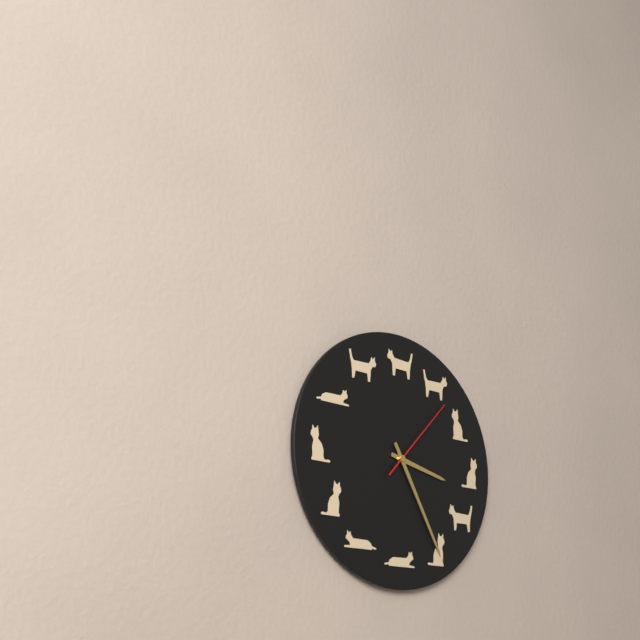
h=3 m=25 s=7
